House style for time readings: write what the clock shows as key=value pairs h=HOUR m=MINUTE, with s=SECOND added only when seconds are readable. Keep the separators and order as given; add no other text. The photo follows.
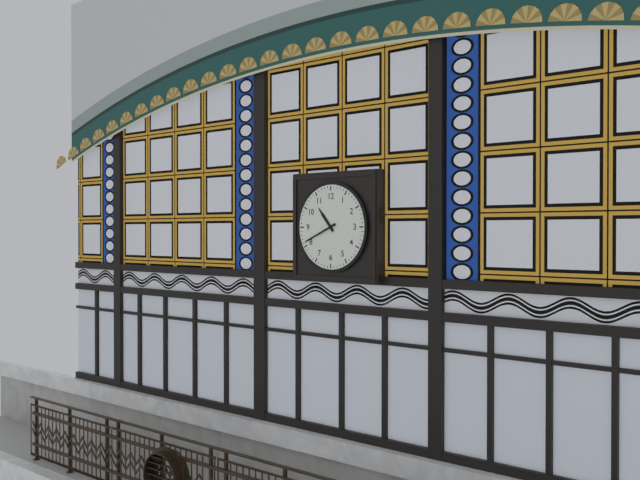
h=10 m=41
